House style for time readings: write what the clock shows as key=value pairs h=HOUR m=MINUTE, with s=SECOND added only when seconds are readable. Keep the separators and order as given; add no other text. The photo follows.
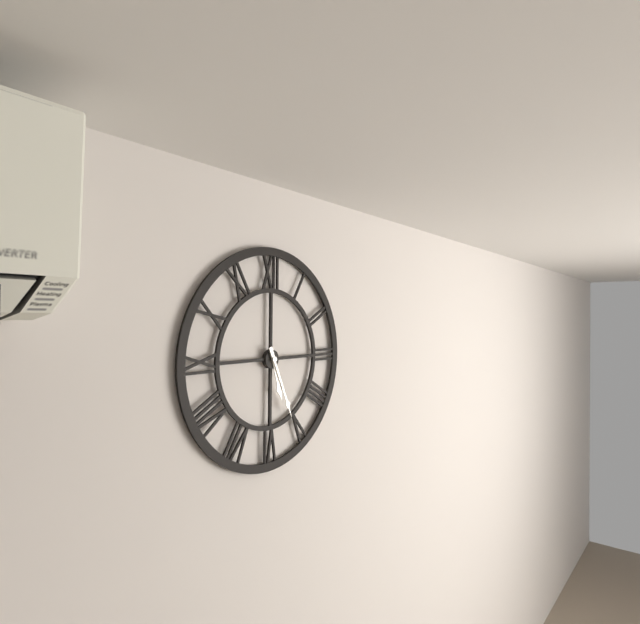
h=5 m=26
